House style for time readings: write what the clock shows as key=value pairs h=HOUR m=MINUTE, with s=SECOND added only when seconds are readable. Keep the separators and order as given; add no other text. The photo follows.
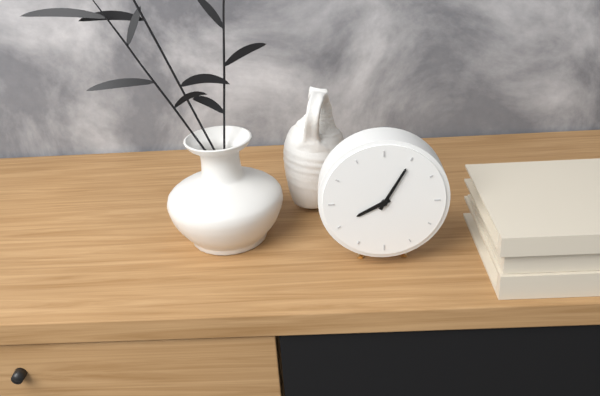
h=8 m=5
